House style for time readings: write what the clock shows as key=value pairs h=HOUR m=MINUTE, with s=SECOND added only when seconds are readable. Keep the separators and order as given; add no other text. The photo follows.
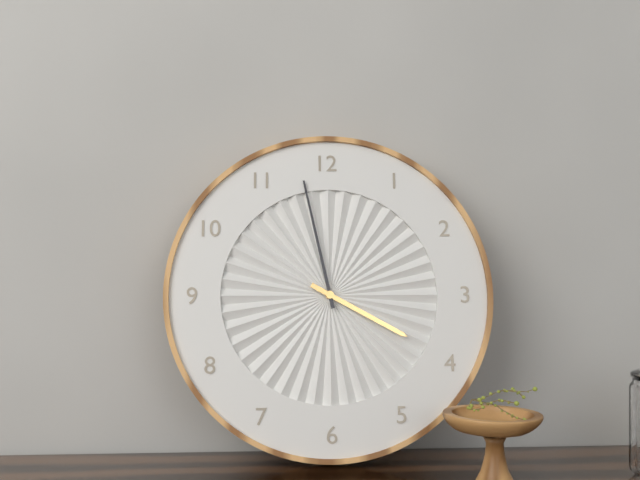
h=3 m=58
